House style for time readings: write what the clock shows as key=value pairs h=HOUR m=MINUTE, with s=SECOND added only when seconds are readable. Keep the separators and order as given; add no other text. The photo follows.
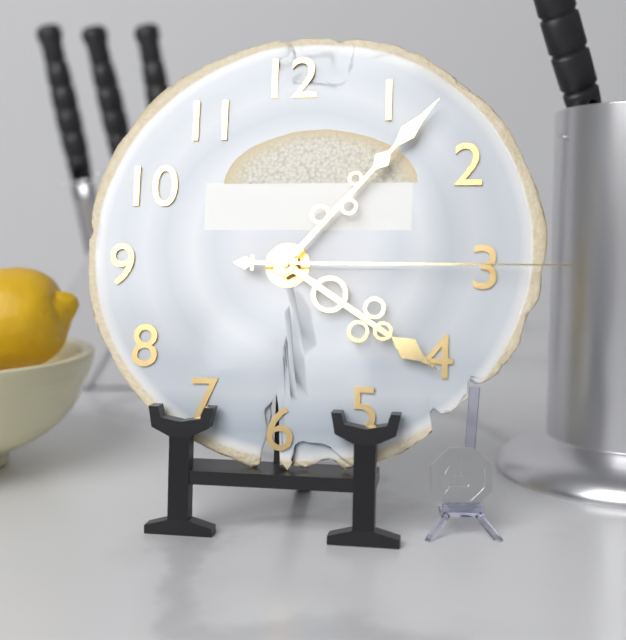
h=4 m=7 s=15
